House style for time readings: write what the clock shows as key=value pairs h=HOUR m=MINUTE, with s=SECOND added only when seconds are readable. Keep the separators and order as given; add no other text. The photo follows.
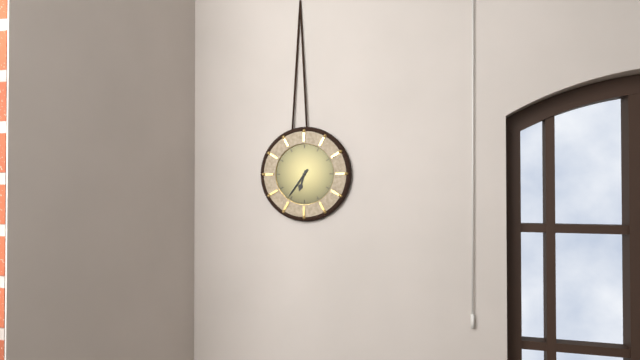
h=6 m=36
